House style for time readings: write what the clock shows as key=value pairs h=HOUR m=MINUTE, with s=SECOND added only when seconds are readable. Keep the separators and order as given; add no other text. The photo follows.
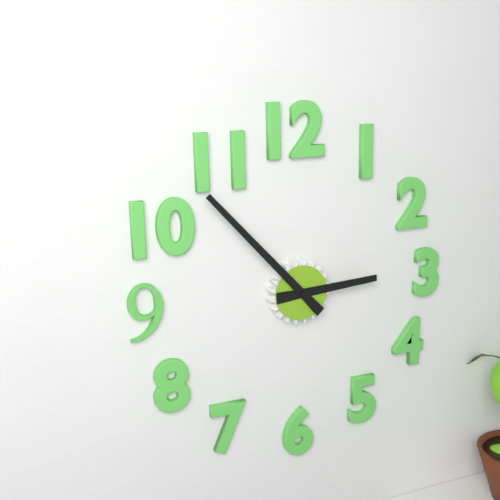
h=2 m=53
